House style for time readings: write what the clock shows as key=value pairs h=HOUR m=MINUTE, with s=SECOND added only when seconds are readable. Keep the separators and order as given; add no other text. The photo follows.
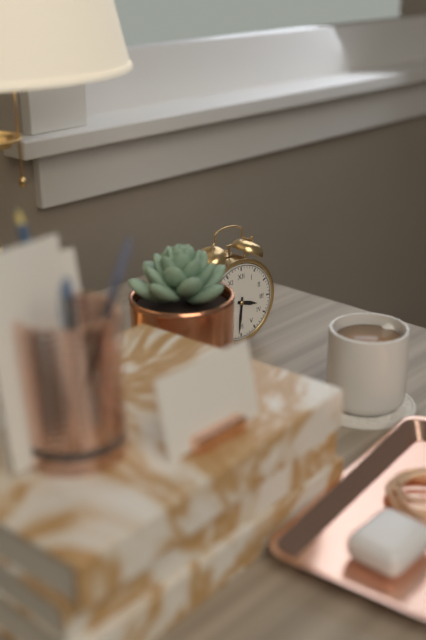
h=3 m=31
